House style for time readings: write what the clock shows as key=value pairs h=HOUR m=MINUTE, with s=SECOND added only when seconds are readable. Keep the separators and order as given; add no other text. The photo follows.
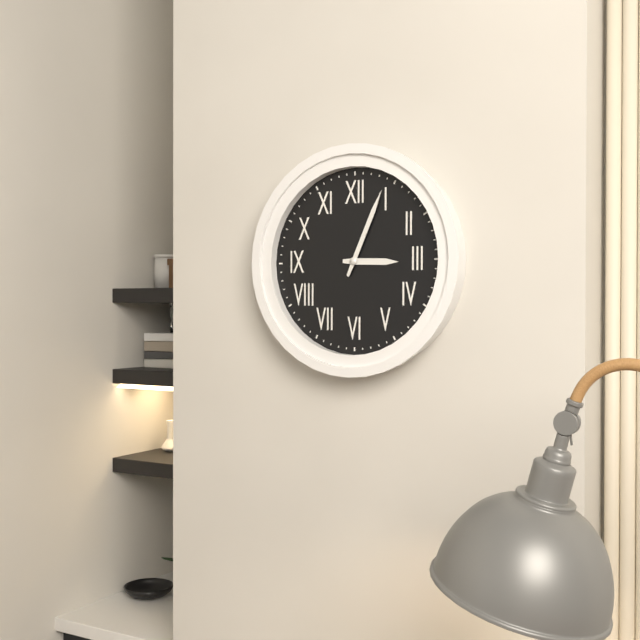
h=3 m=4
